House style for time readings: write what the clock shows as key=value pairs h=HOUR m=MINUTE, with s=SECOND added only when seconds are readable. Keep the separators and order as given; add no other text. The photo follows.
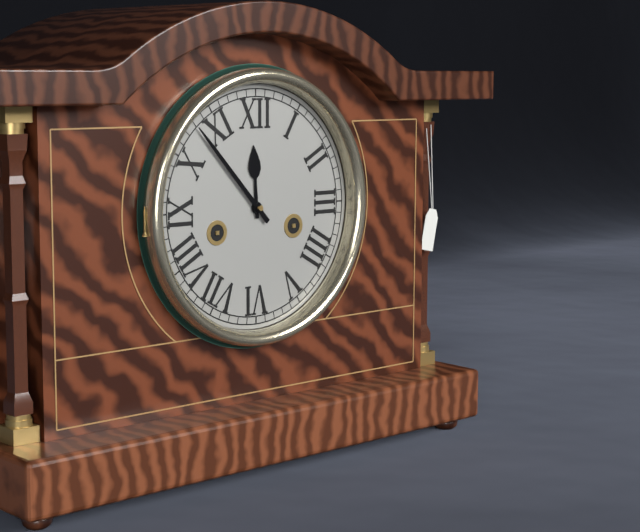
h=11 m=53
